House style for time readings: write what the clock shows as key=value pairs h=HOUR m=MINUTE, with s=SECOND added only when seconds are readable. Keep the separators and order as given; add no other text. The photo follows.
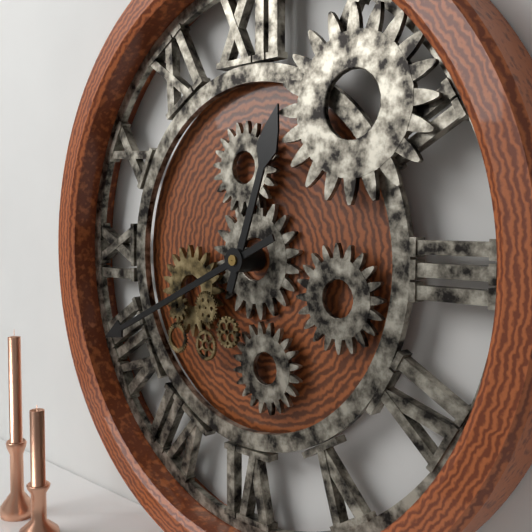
h=12 m=41
